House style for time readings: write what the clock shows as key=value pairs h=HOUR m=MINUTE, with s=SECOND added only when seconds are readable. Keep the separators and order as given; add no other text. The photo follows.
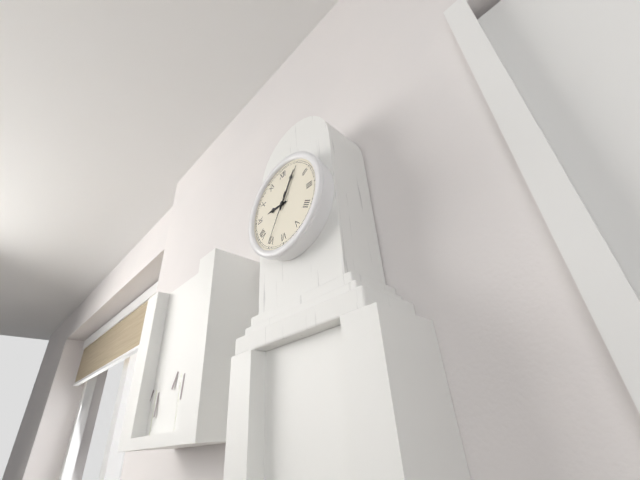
h=9 m=5
